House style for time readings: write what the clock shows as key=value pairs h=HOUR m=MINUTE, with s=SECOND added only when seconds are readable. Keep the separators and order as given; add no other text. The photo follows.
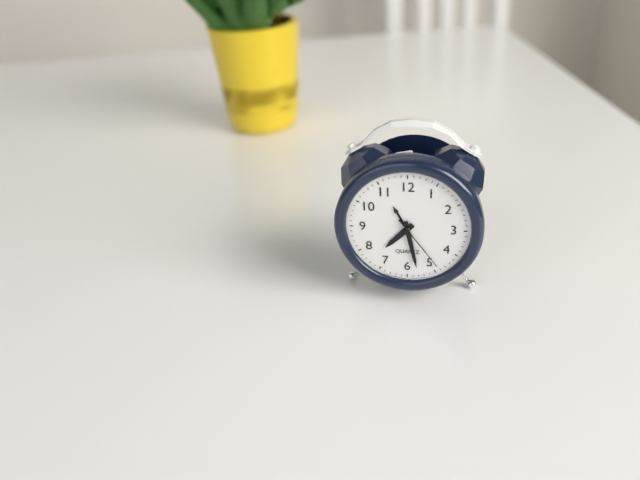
h=7 m=28 s=24
